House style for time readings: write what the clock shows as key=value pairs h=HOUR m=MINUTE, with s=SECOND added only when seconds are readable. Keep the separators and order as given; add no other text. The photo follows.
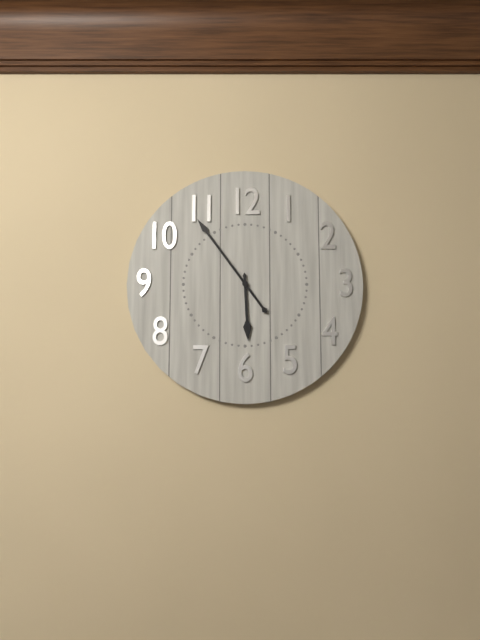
h=5 m=54
